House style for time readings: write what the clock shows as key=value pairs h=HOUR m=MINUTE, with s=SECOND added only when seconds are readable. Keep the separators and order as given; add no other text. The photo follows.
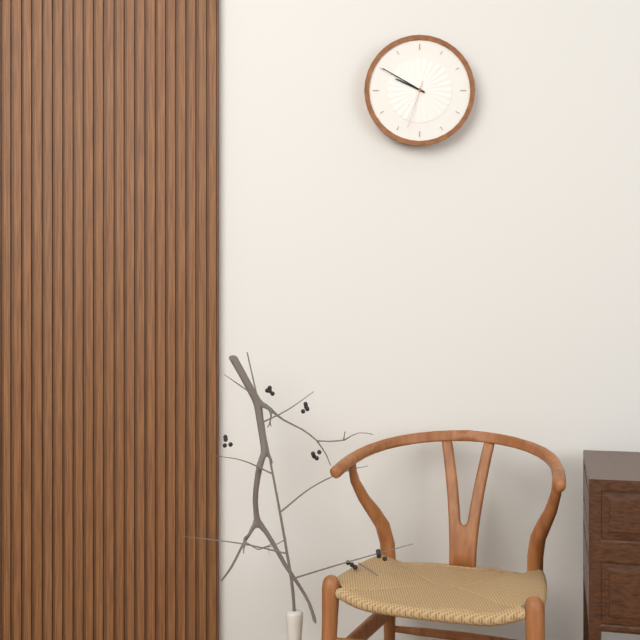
h=9 m=50
